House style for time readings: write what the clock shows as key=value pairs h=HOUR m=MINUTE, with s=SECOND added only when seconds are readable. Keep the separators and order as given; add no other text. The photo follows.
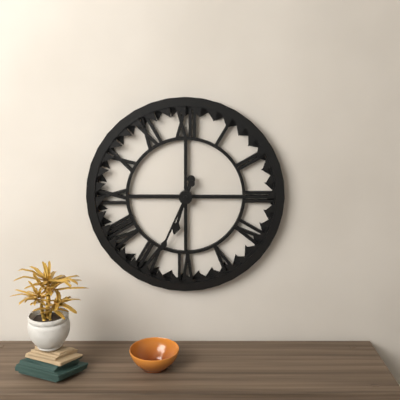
h=6 m=34
